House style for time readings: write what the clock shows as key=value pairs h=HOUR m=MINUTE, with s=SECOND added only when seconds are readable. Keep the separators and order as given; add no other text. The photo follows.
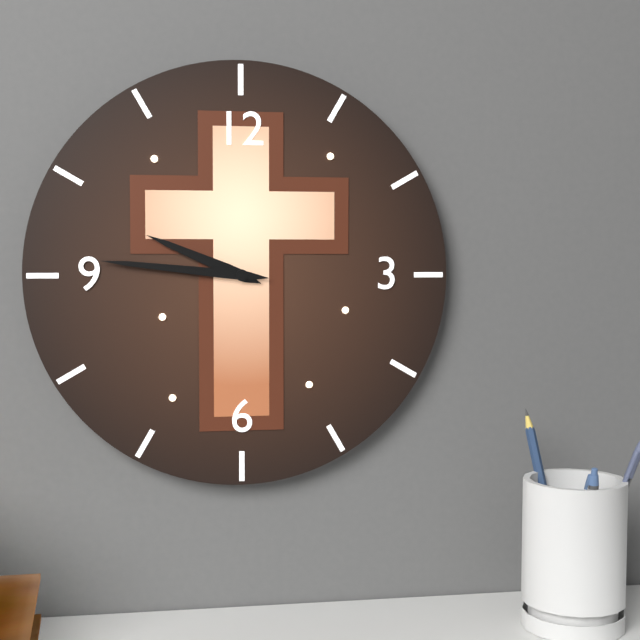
h=9 m=46
